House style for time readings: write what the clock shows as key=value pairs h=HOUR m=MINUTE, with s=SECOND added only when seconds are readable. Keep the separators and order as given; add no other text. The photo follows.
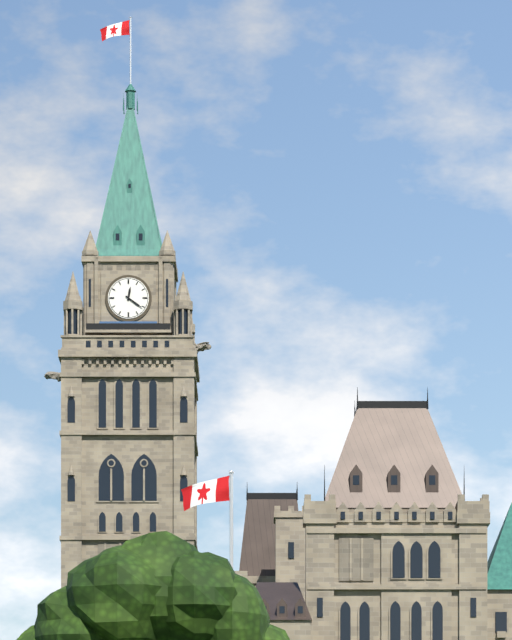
h=12 m=21
